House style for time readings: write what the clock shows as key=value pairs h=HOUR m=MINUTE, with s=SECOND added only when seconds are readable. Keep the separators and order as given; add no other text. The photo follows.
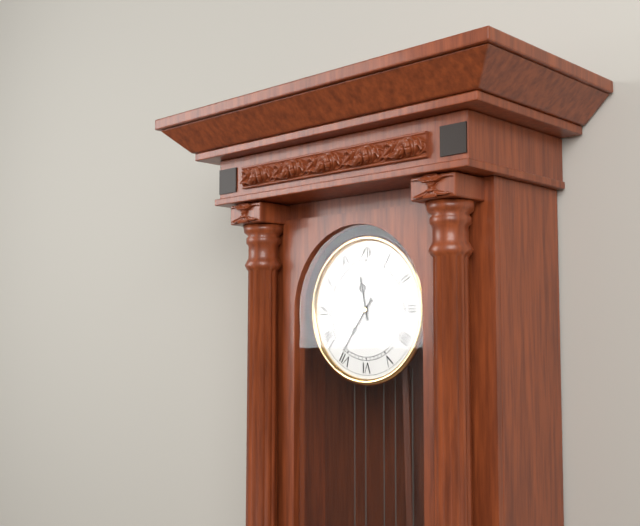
h=11 m=36
